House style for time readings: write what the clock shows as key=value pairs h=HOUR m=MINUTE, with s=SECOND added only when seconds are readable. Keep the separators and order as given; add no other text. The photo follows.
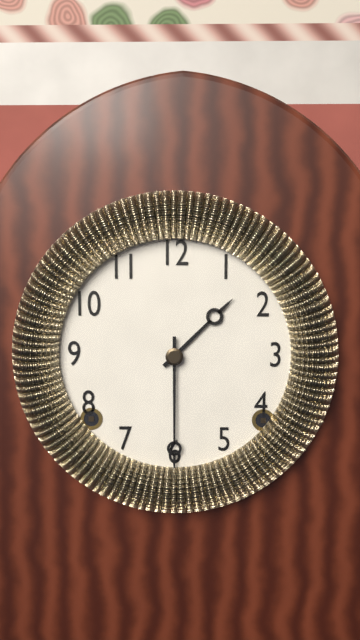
h=1 m=30
